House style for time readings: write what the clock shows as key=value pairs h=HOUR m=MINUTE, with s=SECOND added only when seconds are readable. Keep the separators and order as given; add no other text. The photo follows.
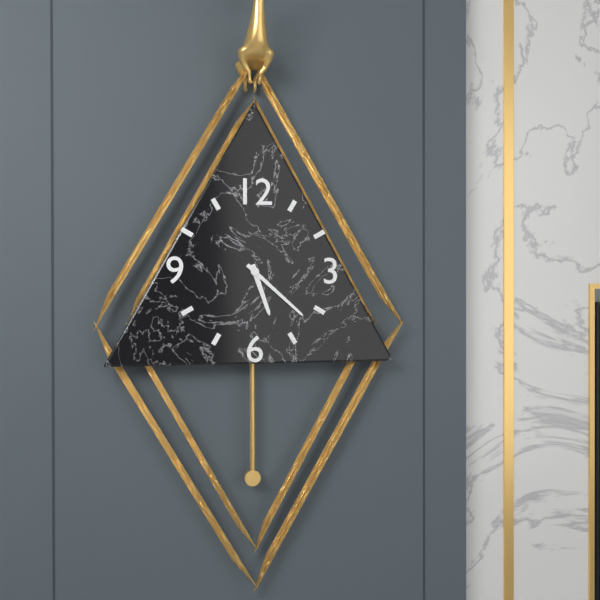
h=5 m=22
